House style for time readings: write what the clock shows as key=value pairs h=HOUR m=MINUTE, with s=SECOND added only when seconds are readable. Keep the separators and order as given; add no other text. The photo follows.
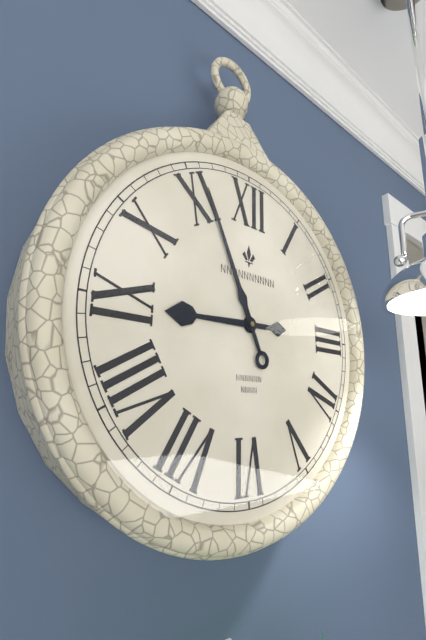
h=8 m=56
